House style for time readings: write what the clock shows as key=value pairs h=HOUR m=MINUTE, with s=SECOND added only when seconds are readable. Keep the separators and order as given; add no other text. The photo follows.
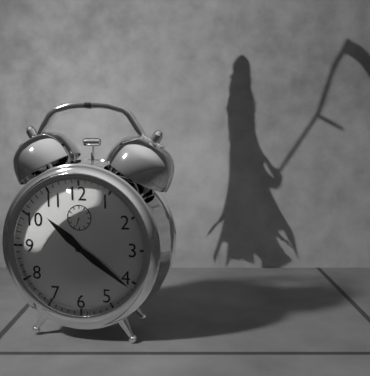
h=10 m=21
